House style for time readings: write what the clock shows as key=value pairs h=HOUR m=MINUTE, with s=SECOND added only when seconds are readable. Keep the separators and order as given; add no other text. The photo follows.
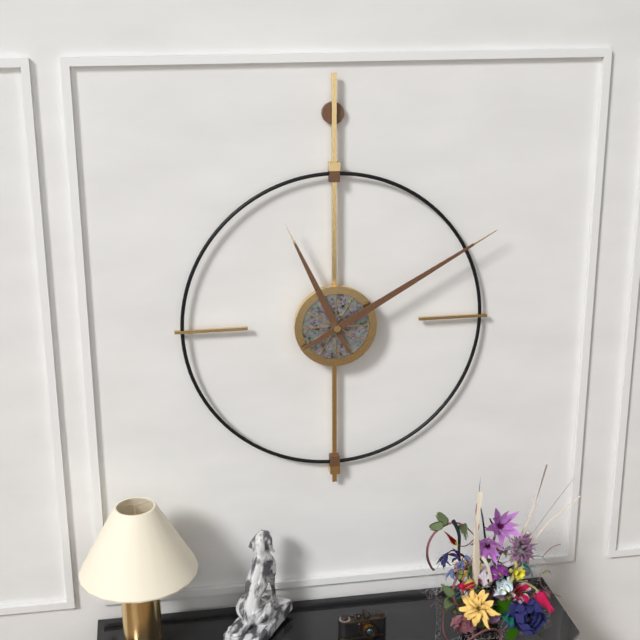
h=11 m=10
